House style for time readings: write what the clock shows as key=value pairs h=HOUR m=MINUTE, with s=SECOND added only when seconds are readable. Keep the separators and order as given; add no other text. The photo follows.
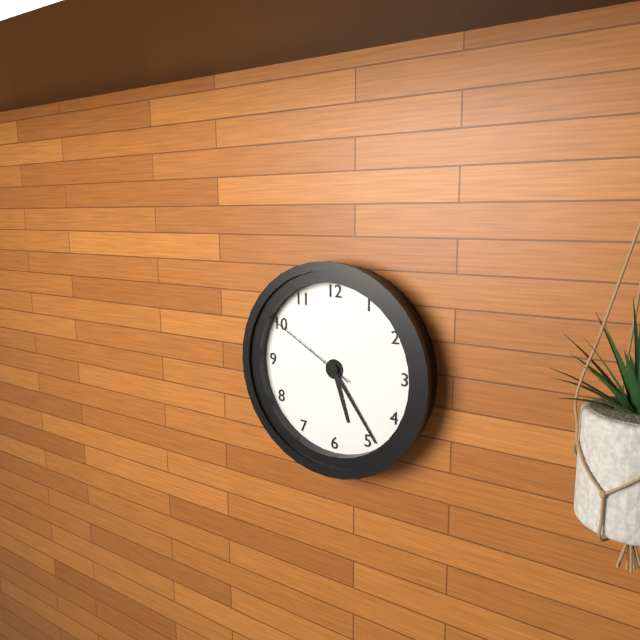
h=5 m=24 s=50
